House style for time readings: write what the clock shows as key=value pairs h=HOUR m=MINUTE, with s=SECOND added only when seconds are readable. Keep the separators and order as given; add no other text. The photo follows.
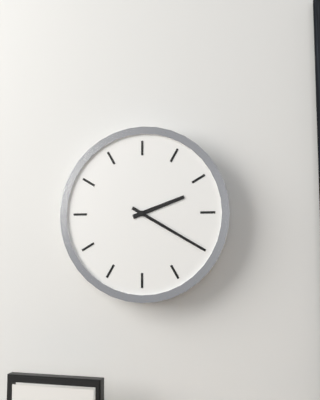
h=2 m=20
